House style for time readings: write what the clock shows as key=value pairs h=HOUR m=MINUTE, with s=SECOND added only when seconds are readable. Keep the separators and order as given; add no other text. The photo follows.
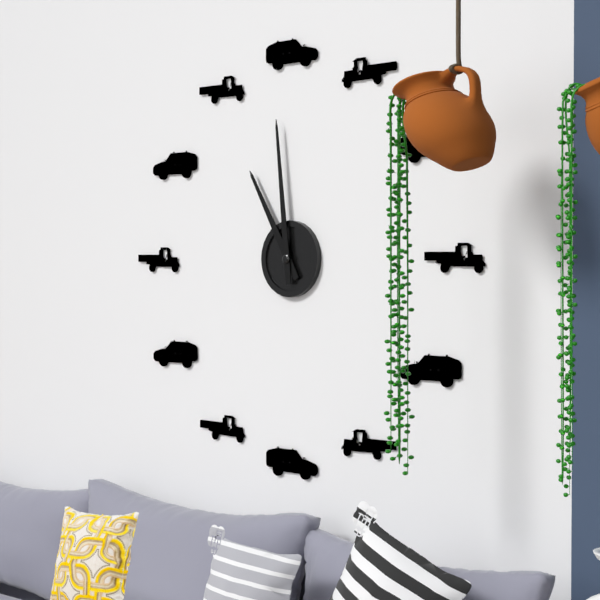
h=10 m=59
